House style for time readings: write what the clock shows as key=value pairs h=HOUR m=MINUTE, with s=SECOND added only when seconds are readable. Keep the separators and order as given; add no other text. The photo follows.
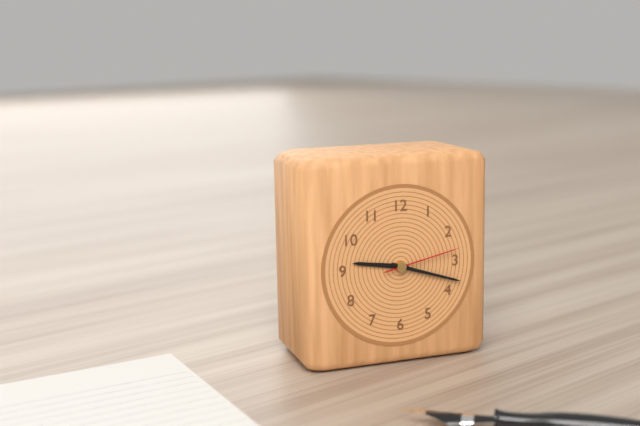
h=9 m=18 s=13
